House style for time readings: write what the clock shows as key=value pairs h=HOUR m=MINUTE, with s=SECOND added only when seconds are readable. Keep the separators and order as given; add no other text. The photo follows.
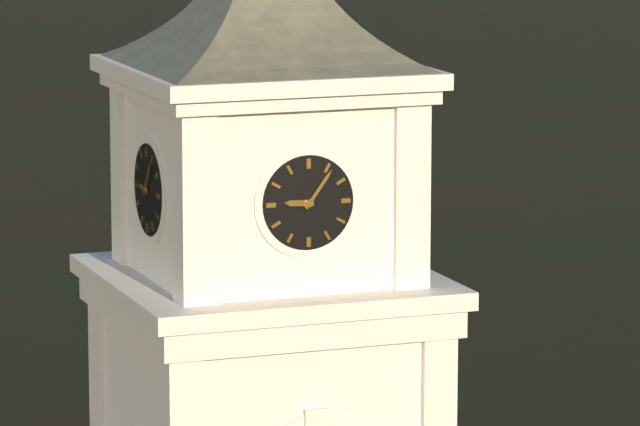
h=9 m=6
